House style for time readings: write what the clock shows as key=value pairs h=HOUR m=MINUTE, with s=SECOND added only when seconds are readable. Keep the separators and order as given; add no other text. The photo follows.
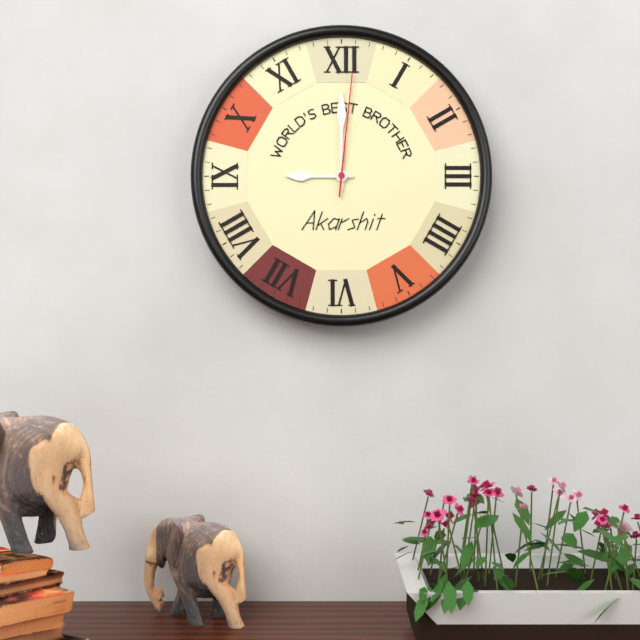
h=9 m=0 s=1
